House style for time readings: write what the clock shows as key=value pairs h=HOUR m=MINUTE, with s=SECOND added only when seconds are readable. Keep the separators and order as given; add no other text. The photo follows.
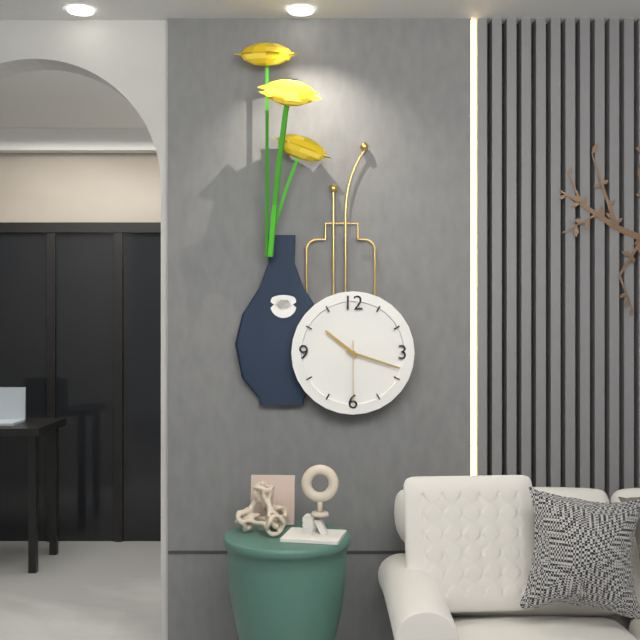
h=10 m=18 s=30
